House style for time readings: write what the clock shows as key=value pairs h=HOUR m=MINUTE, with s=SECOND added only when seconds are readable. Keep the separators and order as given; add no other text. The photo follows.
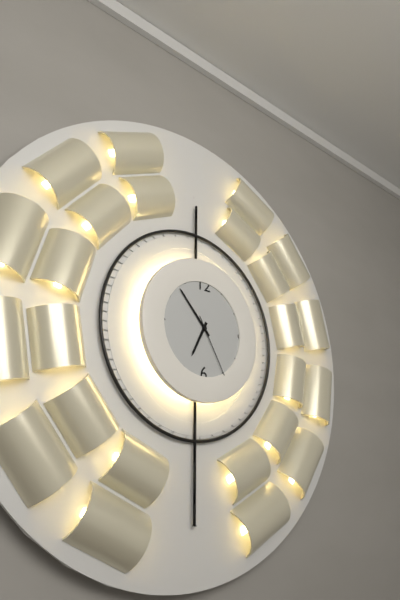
h=6 m=53 s=25
